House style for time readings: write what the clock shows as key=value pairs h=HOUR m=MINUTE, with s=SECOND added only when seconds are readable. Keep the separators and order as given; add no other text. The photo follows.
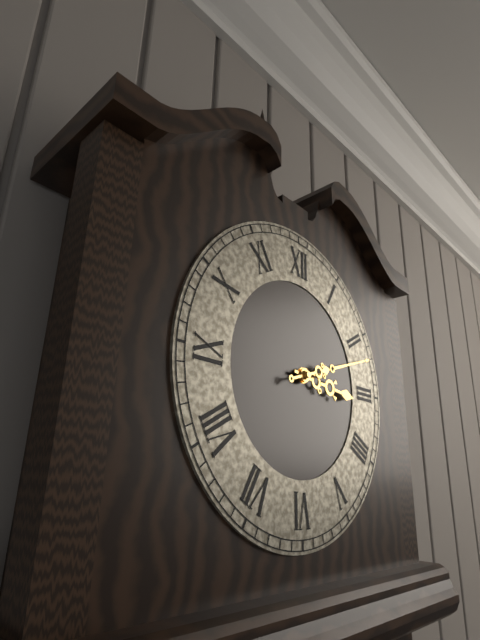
h=3 m=12
